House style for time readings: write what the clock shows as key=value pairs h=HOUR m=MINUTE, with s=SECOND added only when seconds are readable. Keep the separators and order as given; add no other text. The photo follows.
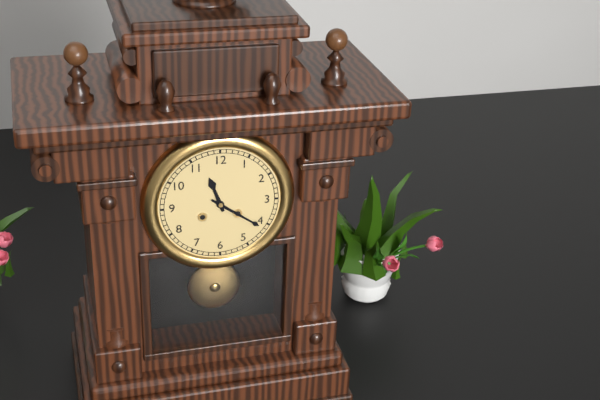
h=11 m=21
